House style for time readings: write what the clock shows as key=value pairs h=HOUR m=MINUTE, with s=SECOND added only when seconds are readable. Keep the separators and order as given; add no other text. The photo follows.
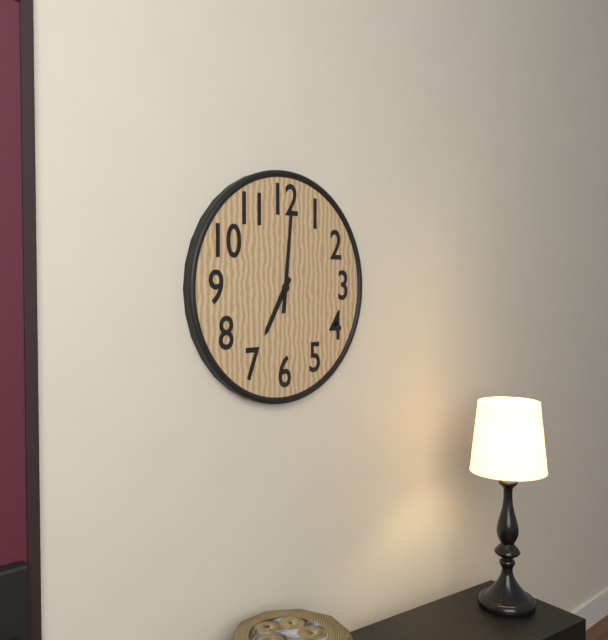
h=7 m=1
